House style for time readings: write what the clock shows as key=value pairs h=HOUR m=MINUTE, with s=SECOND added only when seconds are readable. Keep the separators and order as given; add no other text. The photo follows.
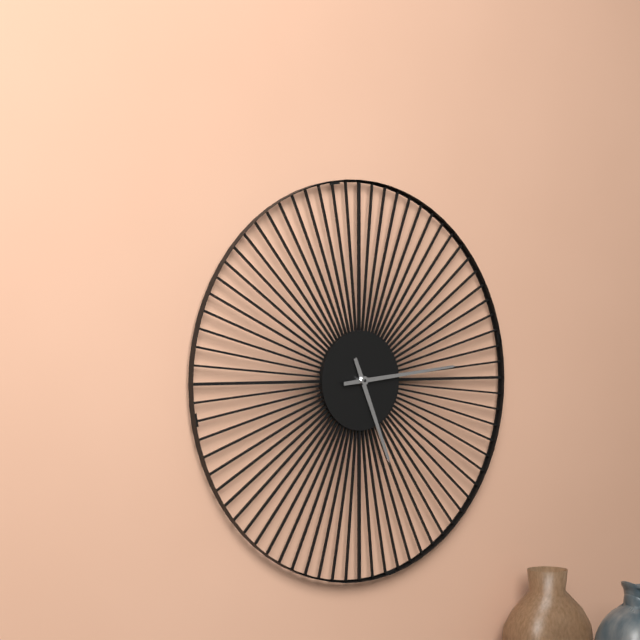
h=5 m=14
